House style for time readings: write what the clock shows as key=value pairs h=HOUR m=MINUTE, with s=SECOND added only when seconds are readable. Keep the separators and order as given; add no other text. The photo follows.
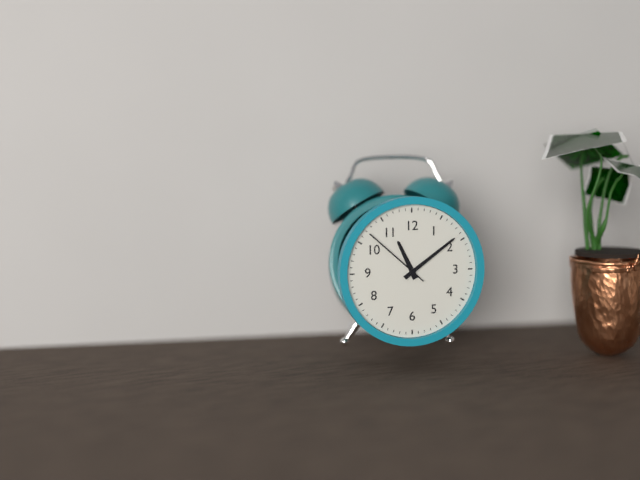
h=11 m=9 s=52
